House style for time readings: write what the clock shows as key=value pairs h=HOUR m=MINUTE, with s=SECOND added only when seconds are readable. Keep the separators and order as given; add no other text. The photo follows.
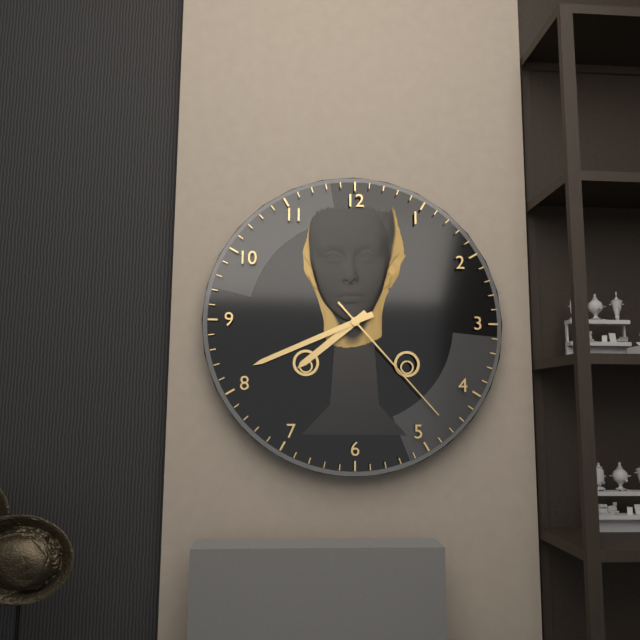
h=7 m=41 s=23
